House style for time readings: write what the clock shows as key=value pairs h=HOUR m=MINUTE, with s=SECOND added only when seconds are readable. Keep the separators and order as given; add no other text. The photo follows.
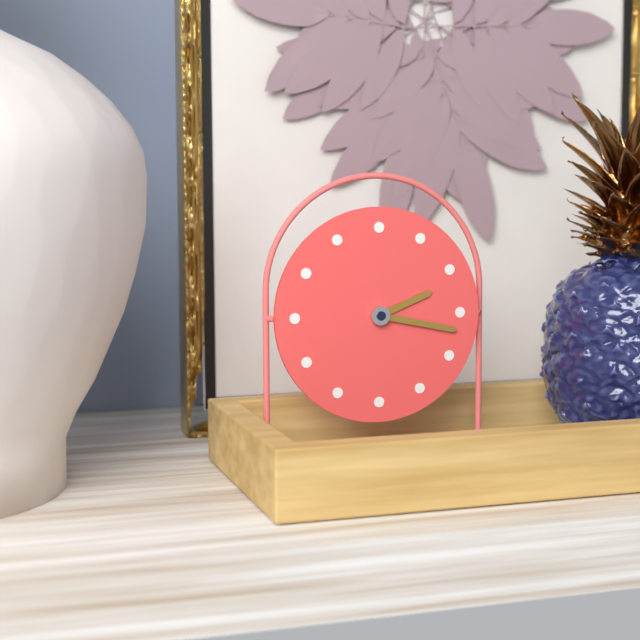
h=2 m=17
